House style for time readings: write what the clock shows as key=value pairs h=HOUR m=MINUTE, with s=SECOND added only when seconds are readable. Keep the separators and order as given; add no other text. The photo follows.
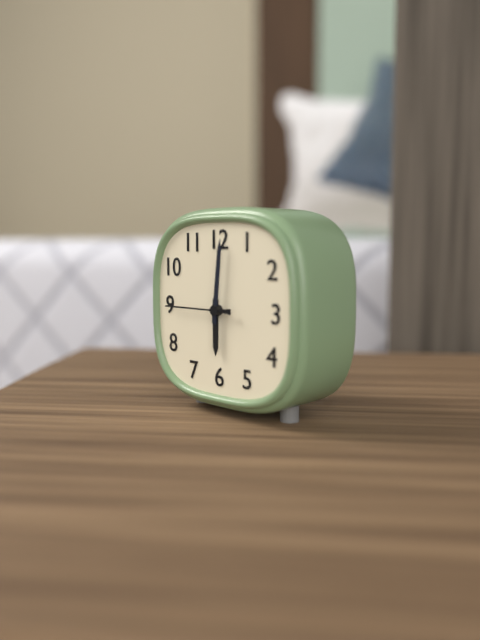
h=6 m=1 s=45
